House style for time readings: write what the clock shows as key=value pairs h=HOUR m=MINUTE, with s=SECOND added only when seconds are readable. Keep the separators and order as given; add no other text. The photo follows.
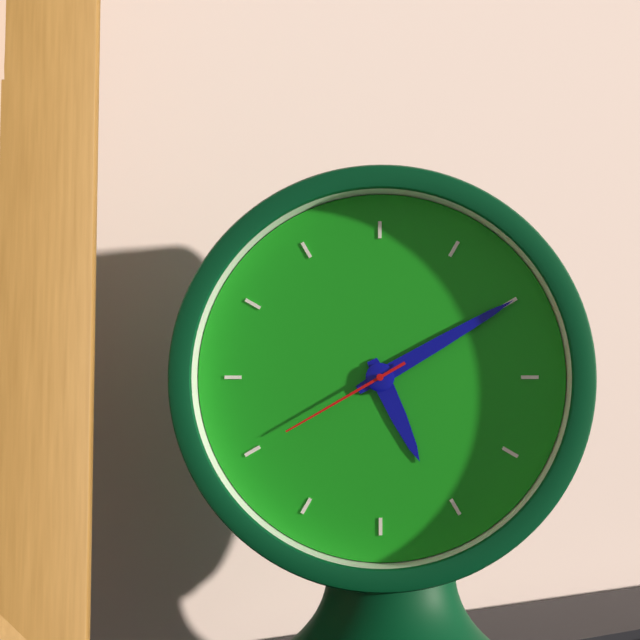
h=5 m=10 s=40
